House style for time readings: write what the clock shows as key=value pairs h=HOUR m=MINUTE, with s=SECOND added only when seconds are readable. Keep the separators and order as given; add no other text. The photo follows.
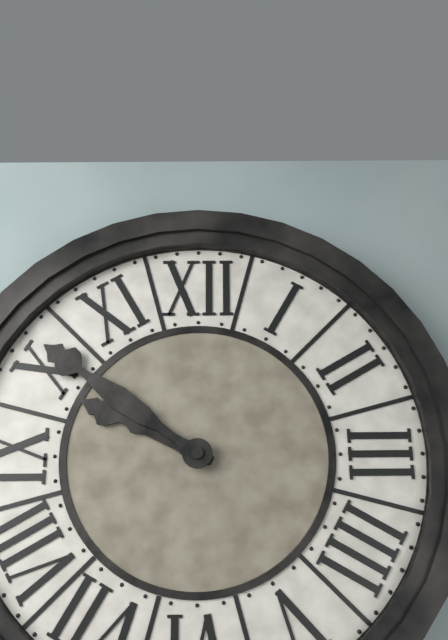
h=9 m=51
